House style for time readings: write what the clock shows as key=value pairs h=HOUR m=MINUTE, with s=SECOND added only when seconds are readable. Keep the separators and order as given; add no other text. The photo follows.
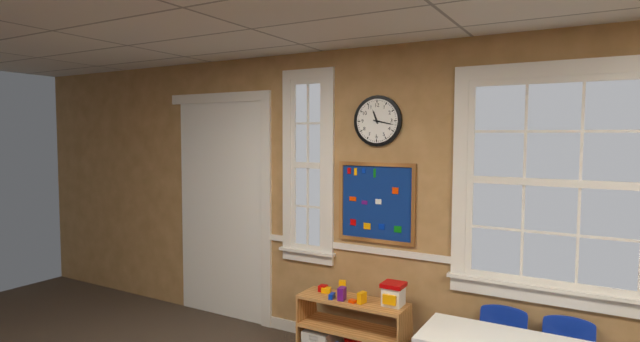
h=11 m=17
